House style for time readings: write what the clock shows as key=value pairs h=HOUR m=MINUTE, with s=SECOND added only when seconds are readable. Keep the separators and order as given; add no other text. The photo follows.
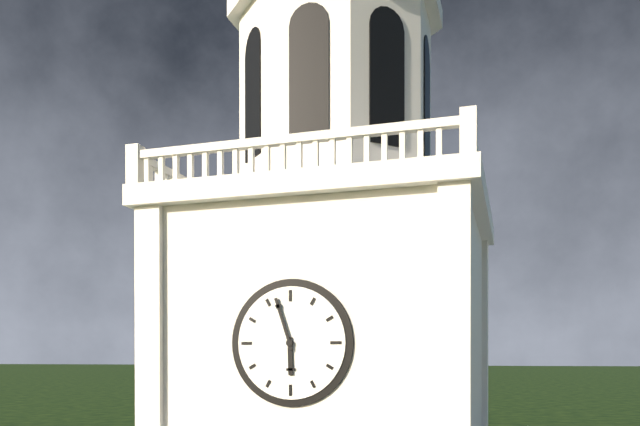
h=5 m=57
